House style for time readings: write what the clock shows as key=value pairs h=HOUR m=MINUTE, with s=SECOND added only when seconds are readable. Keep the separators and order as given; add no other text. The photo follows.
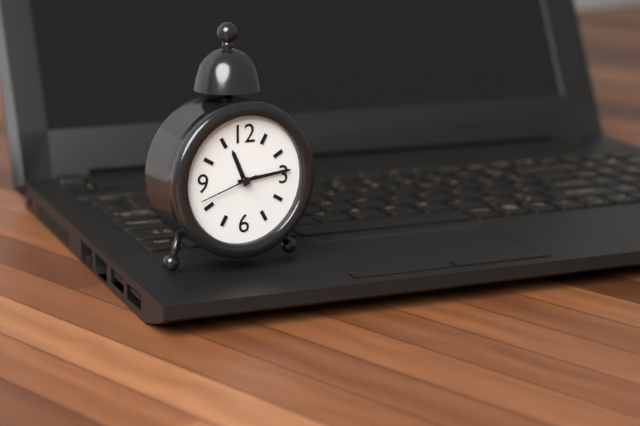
h=11 m=14 s=42
